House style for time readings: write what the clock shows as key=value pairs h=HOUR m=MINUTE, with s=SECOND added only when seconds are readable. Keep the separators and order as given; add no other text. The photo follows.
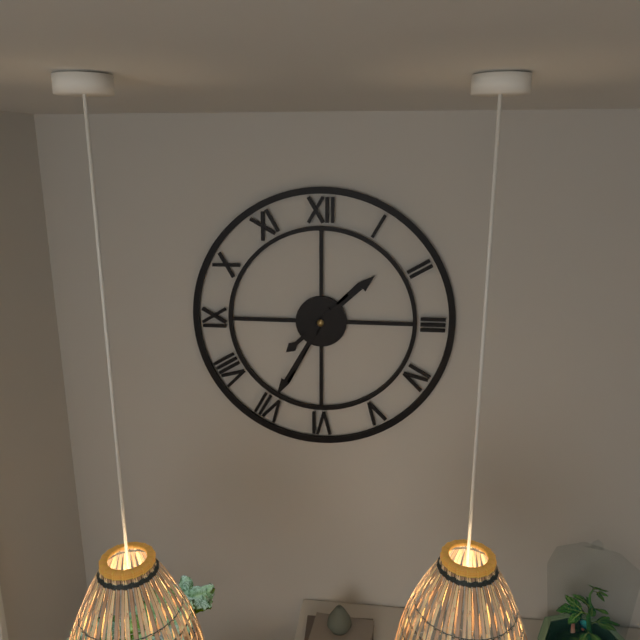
h=1 m=35
